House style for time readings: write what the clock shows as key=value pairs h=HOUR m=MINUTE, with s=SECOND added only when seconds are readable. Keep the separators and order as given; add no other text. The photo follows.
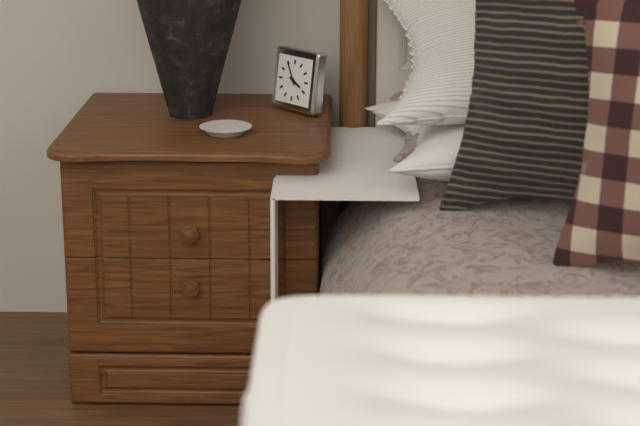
h=3 m=55
